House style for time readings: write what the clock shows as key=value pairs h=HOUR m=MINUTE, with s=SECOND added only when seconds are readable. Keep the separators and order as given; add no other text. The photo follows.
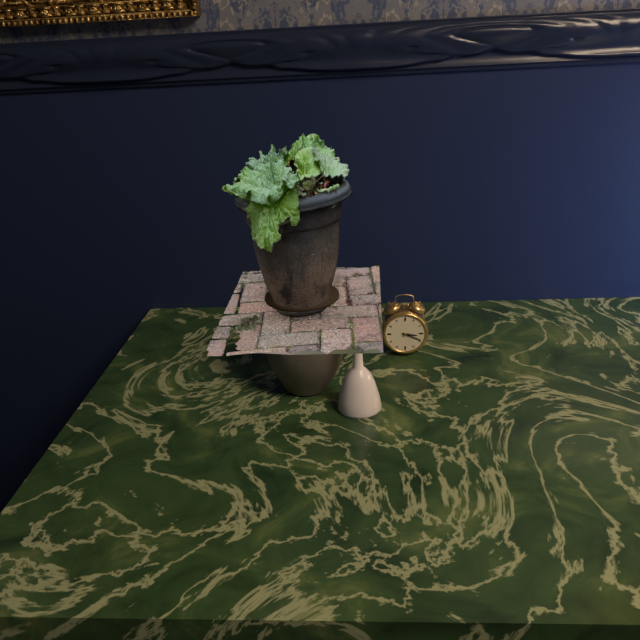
h=3 m=19
